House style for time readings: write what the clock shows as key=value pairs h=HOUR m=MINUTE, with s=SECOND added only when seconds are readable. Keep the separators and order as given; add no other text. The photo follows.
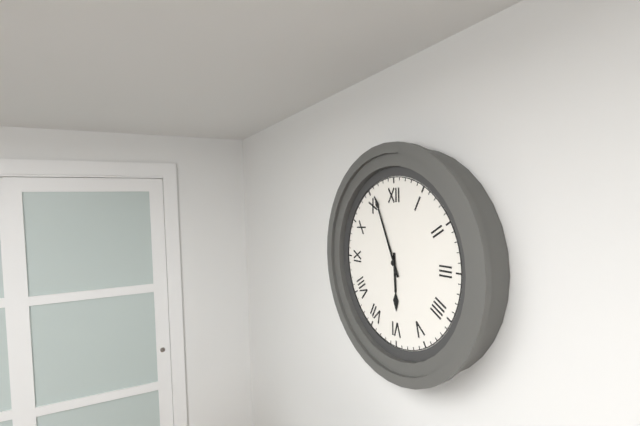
h=5 m=56
